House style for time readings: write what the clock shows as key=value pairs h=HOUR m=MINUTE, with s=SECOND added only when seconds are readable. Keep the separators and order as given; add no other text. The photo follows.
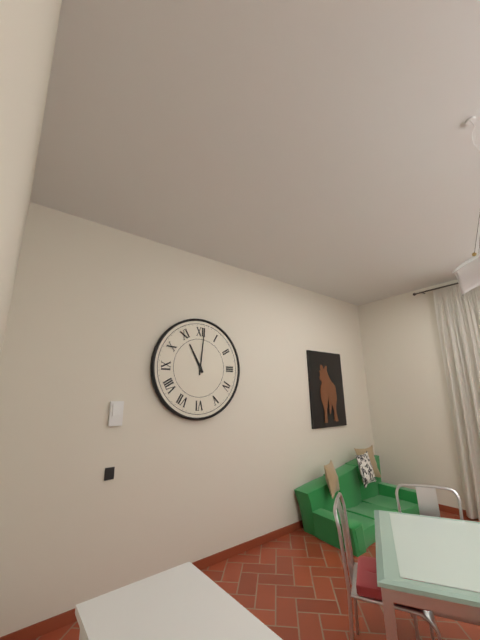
h=11 m=1
